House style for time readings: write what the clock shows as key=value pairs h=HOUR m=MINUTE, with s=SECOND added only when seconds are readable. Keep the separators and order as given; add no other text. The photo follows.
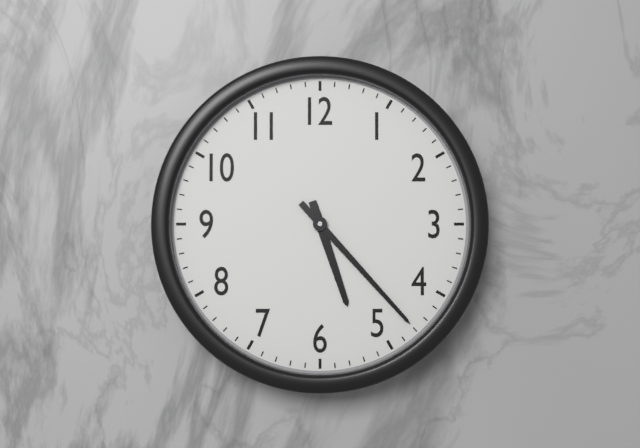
h=5 m=23
